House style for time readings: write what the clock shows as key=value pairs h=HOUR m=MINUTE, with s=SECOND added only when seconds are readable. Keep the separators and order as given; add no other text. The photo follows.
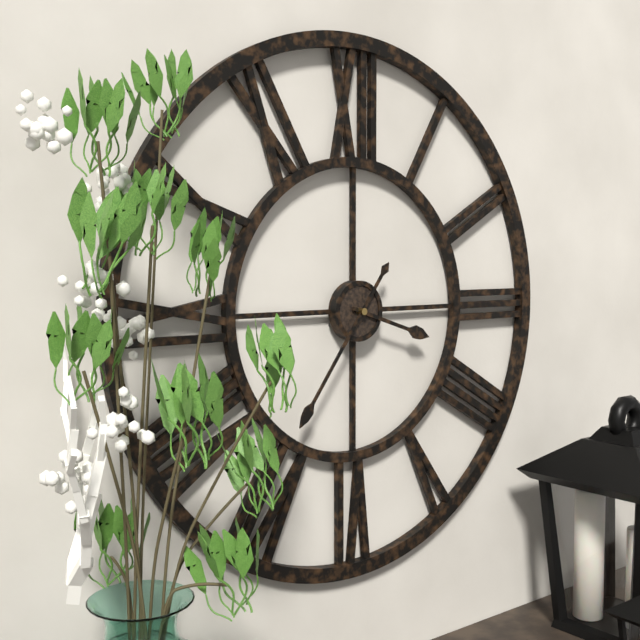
h=3 m=36
